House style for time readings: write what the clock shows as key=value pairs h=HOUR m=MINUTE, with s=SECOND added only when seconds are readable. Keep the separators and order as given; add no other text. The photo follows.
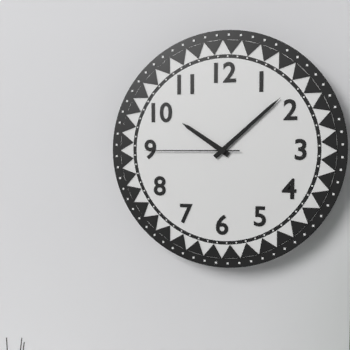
h=10 m=8 s=45
